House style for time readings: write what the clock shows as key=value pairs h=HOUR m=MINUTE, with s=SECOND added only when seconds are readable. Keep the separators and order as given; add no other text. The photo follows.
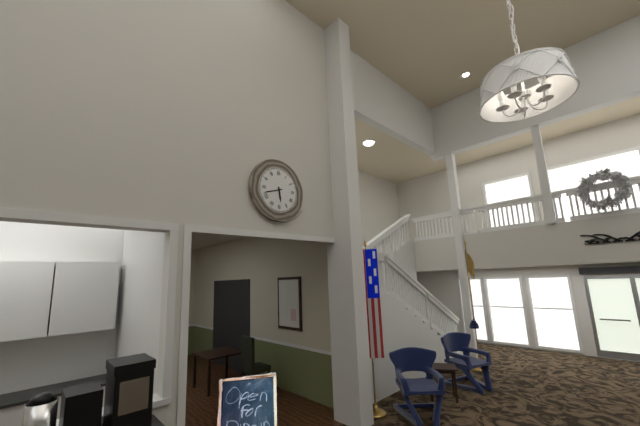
h=5 m=42
